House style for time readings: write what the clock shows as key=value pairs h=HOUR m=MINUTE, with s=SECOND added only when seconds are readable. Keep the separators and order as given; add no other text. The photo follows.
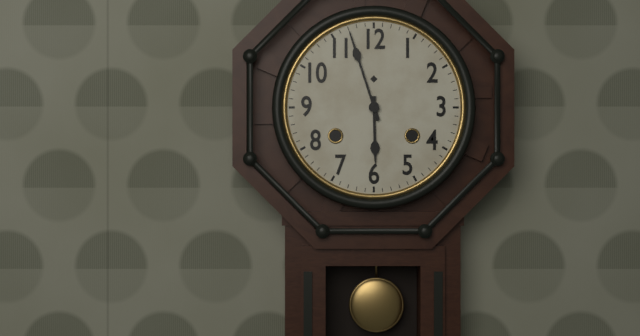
h=5 m=57
